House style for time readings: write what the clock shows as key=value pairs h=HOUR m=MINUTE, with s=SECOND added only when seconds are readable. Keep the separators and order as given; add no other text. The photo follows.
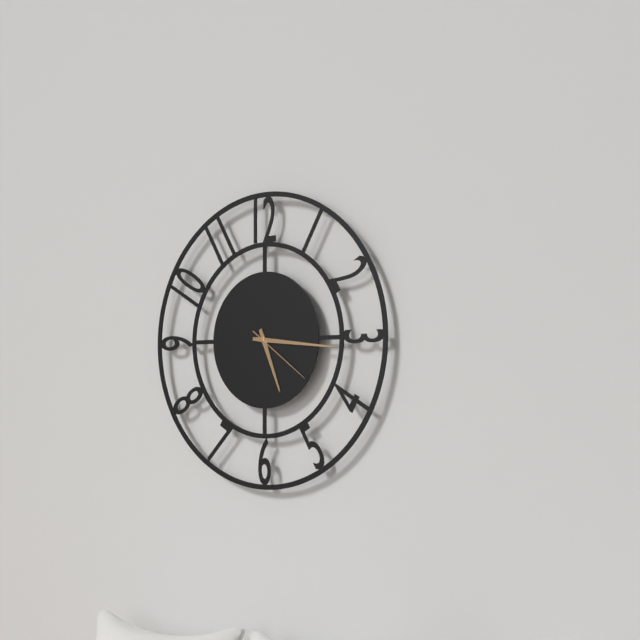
h=5 m=16 s=21
